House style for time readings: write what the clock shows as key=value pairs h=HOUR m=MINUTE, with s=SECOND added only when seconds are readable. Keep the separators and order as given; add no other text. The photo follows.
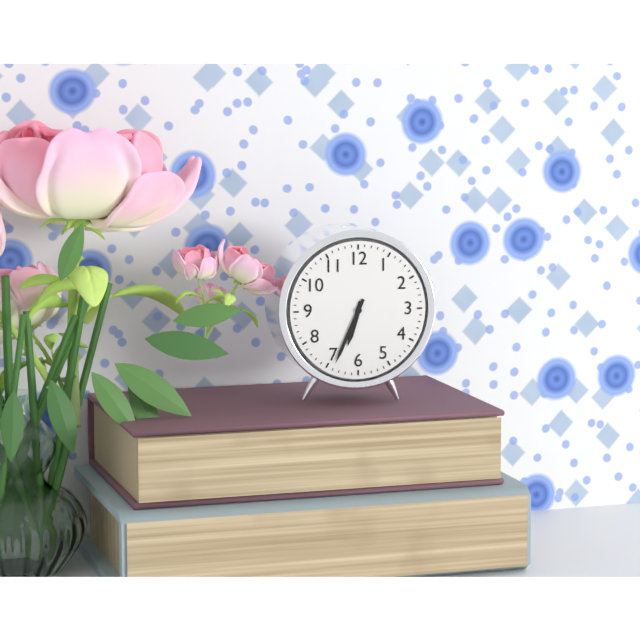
h=6 m=34
